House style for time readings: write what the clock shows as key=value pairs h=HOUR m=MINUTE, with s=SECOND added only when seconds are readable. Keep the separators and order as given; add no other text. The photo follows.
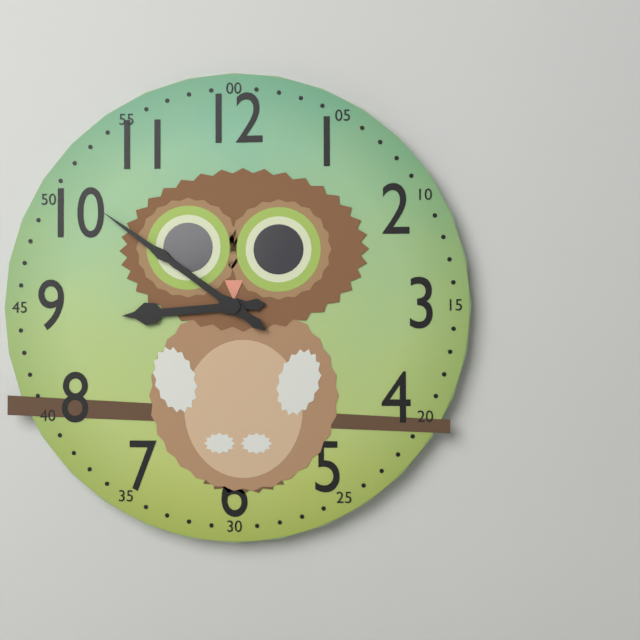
h=8 m=51
